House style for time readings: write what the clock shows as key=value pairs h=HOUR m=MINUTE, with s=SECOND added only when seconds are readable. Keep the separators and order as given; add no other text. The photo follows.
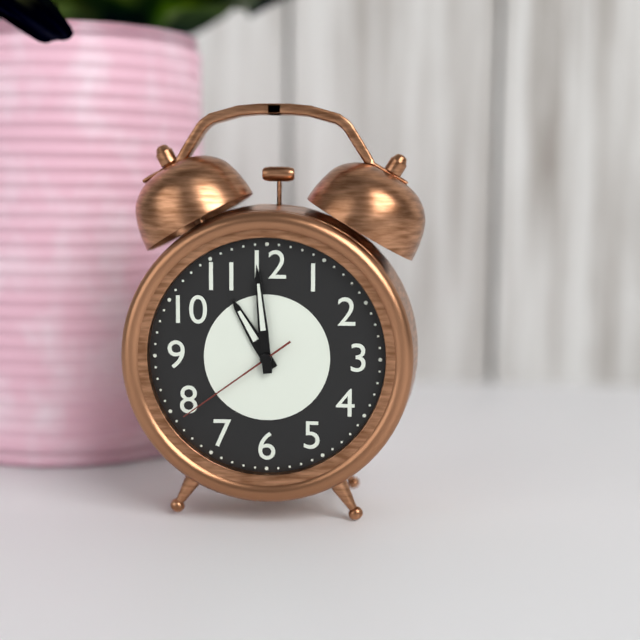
h=10 m=59 s=39
